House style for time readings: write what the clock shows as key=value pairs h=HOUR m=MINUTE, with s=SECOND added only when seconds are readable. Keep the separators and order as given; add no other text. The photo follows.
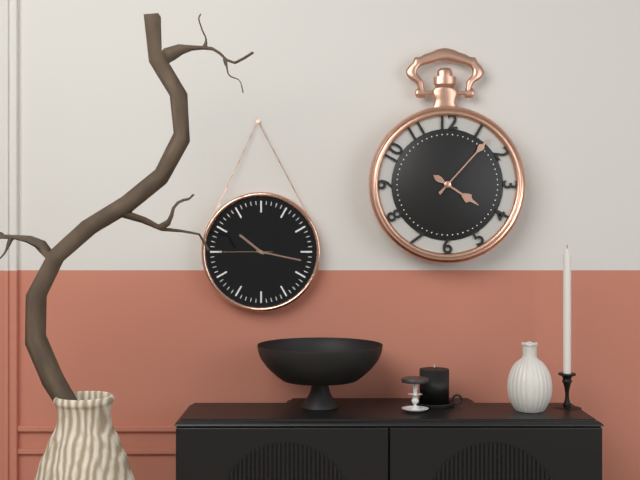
h=4 m=7
